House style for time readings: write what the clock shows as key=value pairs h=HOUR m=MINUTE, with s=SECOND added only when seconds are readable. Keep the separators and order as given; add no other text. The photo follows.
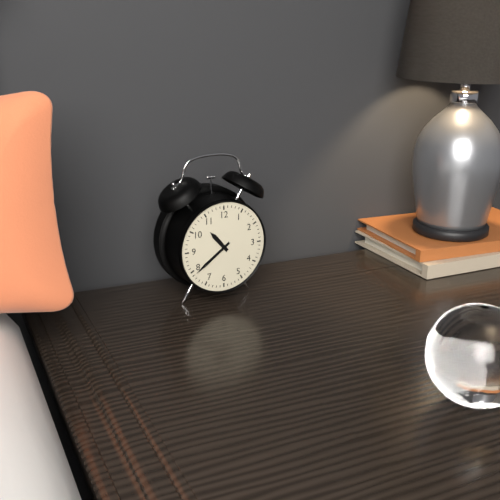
h=10 m=39
